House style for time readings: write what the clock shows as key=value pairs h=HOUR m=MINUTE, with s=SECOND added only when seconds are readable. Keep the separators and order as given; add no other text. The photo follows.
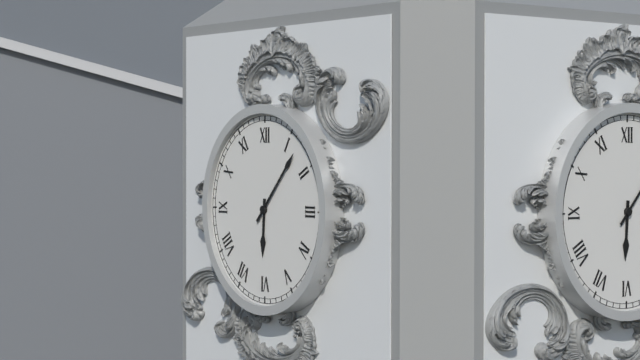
h=6 m=7
